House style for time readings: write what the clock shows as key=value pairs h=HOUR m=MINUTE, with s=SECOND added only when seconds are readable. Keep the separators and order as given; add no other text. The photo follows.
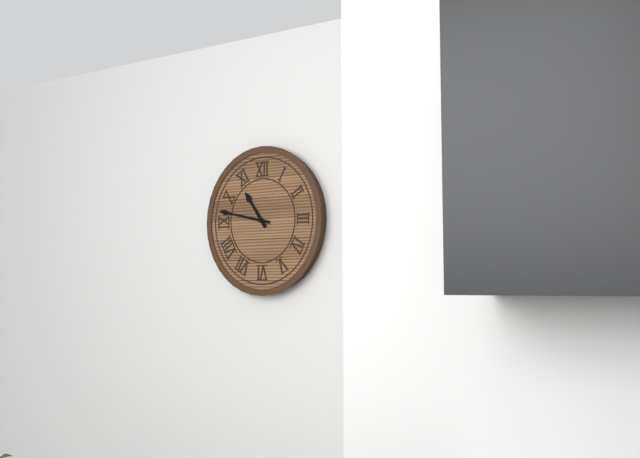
h=10 m=47
